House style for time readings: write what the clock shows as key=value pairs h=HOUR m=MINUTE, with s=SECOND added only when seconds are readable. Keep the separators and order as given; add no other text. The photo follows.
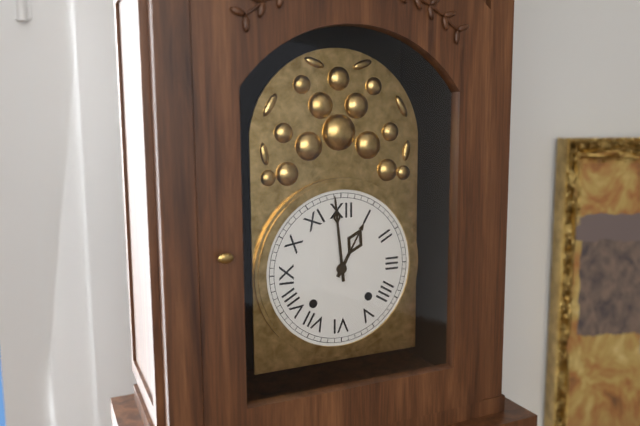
h=12 m=59
